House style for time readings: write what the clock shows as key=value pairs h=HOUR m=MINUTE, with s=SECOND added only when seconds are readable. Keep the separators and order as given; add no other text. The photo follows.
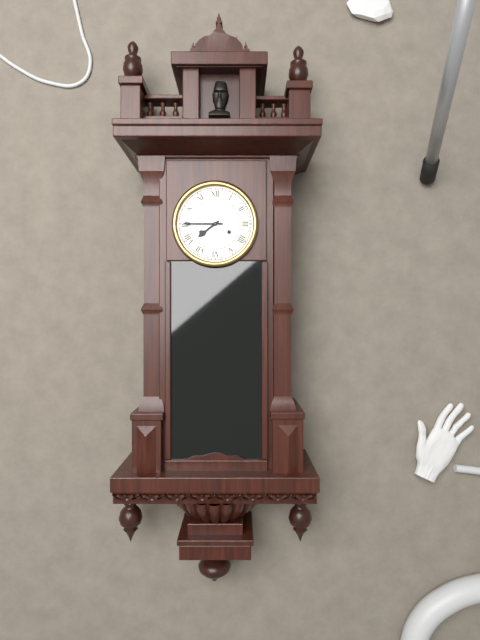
h=7 m=45
